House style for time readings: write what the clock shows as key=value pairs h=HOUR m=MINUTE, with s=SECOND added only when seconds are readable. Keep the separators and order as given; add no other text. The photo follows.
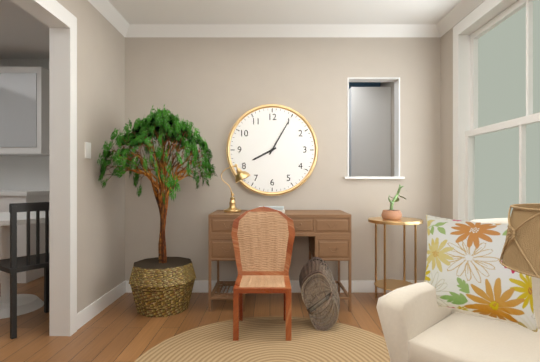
h=8 m=5
